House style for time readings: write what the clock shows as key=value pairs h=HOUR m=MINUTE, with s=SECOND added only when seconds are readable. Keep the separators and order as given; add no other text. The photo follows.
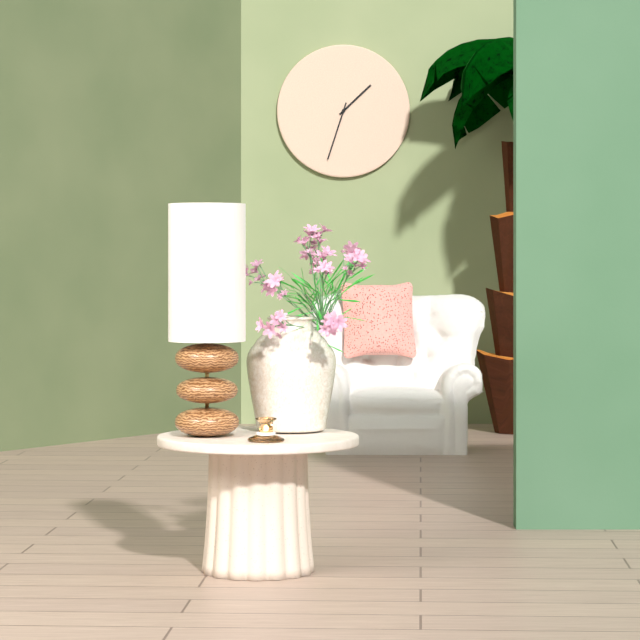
h=1 m=33
